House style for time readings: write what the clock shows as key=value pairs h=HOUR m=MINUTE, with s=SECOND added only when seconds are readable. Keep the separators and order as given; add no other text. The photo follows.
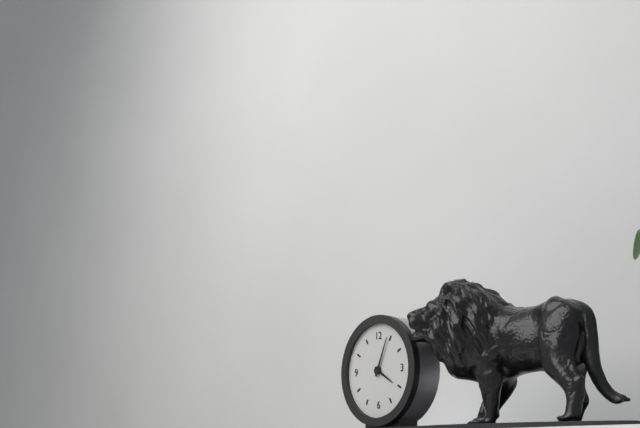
h=4 m=4
